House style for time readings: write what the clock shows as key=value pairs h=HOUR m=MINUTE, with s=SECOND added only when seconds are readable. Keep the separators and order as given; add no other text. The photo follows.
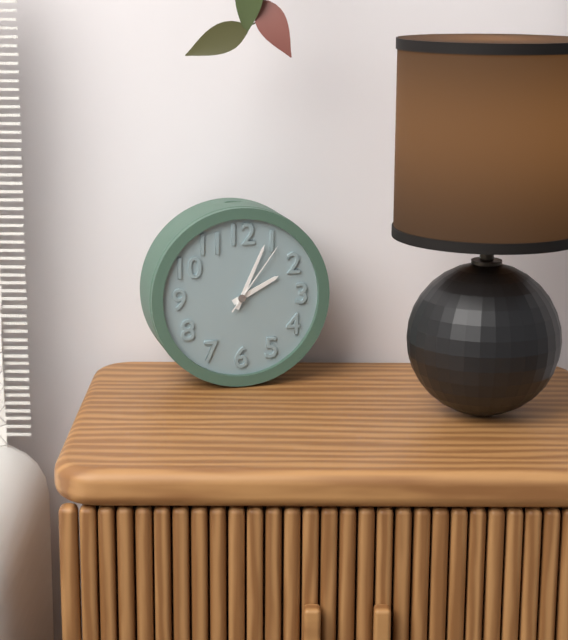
h=2 m=4 s=6
